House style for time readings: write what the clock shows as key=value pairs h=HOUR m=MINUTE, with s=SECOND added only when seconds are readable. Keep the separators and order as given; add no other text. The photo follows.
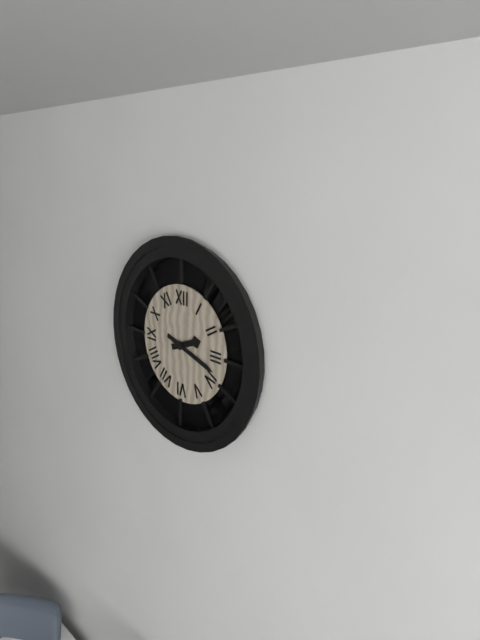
h=2 m=18
